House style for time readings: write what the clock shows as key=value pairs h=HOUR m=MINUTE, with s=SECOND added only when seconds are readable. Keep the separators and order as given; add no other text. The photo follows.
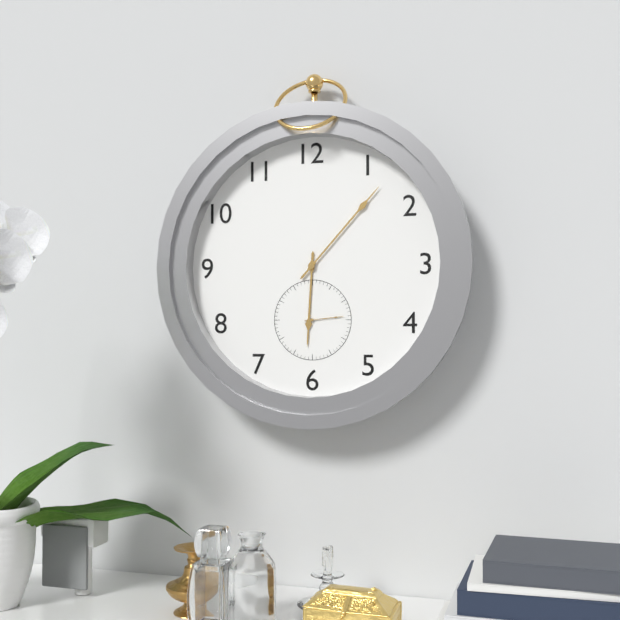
h=6 m=7
